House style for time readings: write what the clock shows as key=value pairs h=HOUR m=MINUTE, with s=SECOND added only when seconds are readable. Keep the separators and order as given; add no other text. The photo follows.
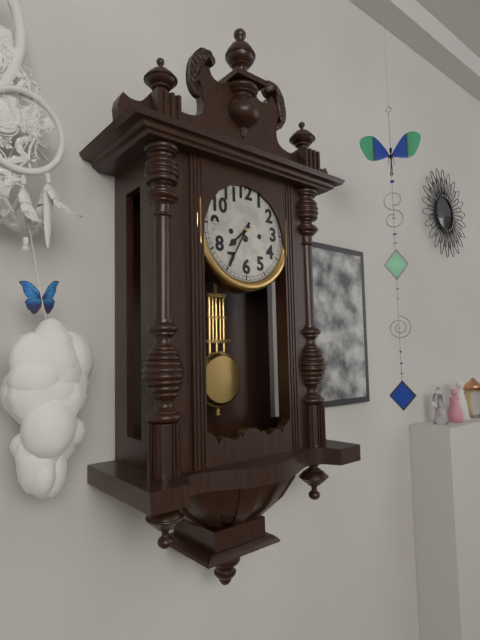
h=7 m=35
